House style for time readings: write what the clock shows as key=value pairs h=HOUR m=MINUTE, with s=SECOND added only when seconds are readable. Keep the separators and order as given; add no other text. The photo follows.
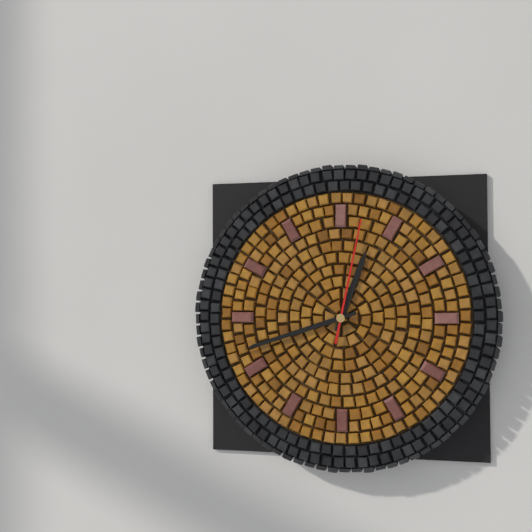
h=12 m=42 s=2
